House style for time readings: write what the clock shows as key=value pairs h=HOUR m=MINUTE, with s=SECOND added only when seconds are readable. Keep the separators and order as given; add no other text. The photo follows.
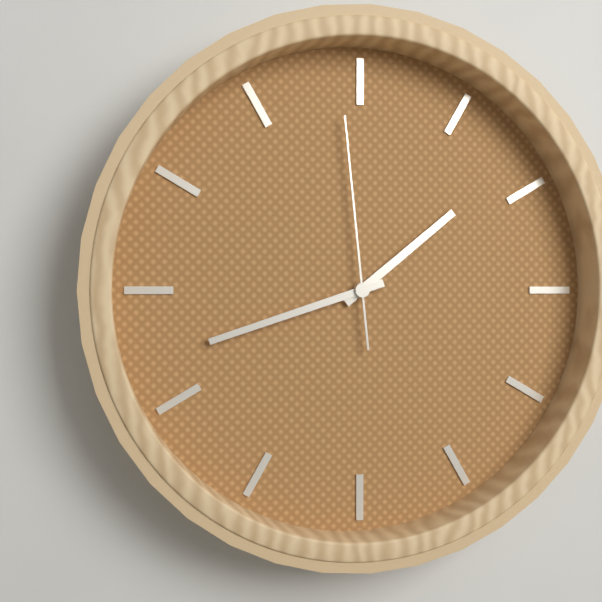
h=1 m=42 s=59
